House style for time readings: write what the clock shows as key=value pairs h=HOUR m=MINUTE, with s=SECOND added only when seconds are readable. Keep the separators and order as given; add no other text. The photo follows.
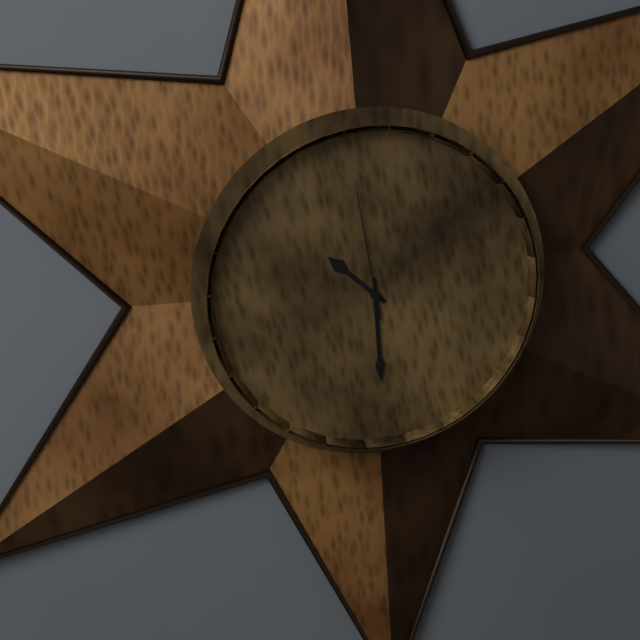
h=10 m=30 s=59
